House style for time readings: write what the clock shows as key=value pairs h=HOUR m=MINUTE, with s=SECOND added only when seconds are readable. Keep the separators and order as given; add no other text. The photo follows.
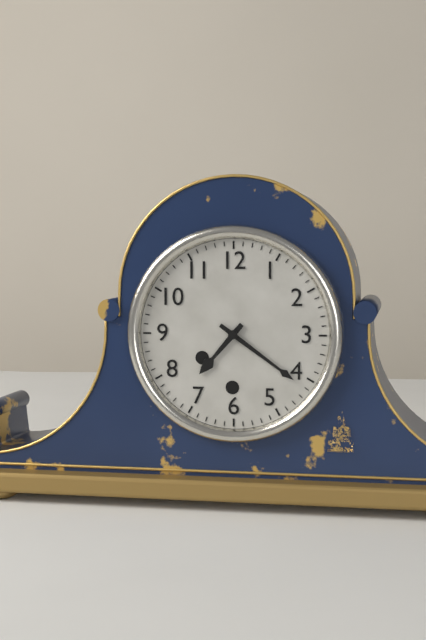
h=7 m=21
